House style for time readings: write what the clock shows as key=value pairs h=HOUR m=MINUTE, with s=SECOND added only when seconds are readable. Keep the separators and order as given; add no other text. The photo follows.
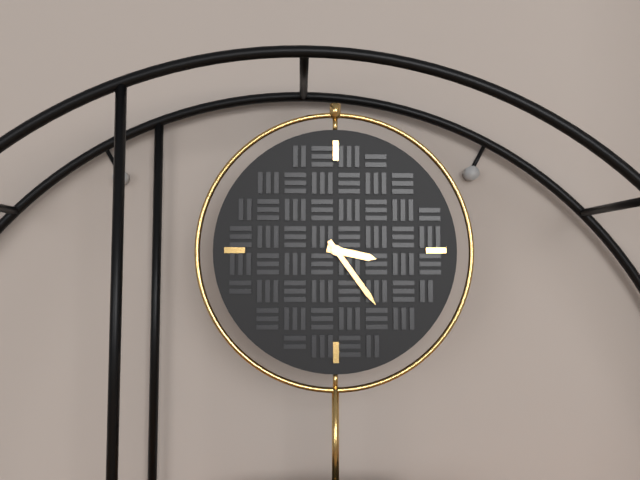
h=3 m=24
